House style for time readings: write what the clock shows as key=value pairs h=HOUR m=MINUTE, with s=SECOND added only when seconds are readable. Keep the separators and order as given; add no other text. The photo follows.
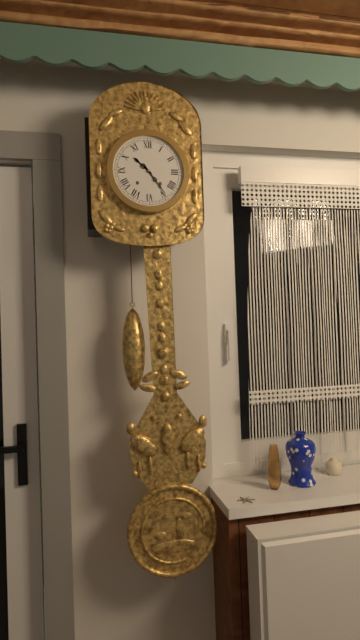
h=10 m=24
